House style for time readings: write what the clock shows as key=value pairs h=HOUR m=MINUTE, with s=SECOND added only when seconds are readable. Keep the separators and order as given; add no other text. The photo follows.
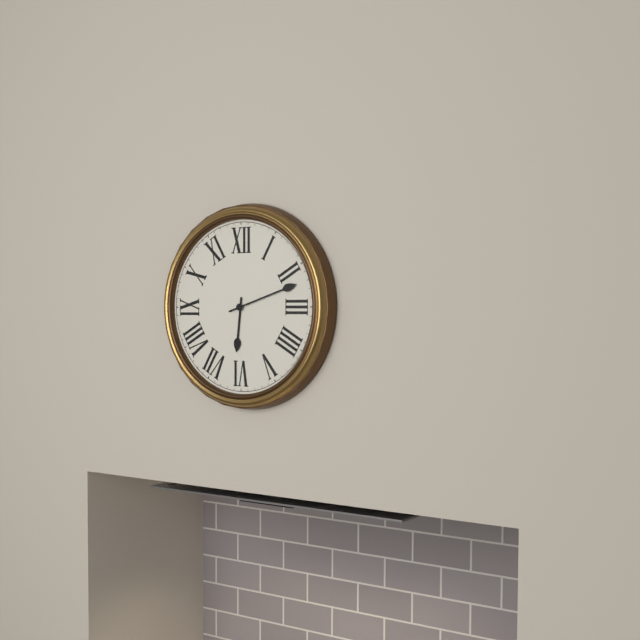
h=6 m=12
